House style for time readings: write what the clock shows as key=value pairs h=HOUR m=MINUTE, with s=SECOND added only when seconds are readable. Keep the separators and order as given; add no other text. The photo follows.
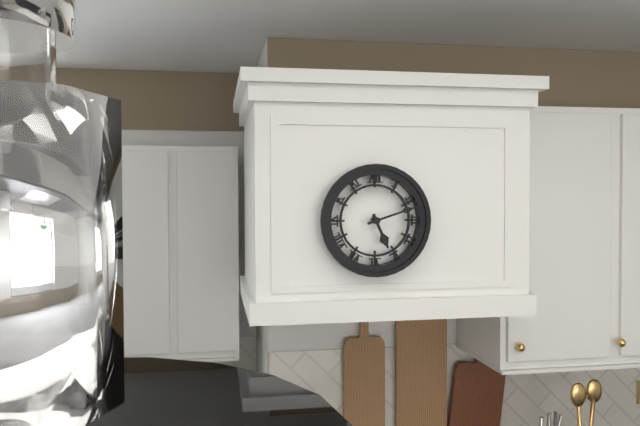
h=5 m=12
